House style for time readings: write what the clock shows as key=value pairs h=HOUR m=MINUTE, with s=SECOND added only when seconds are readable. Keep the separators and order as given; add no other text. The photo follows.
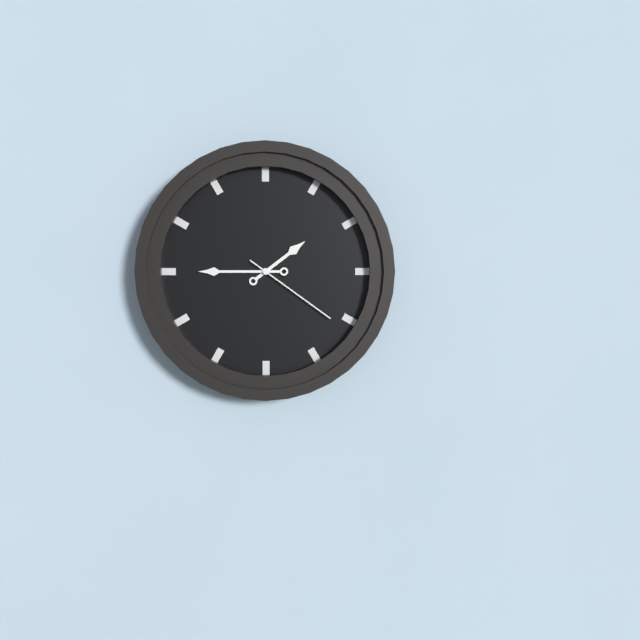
h=1 m=45 s=21
